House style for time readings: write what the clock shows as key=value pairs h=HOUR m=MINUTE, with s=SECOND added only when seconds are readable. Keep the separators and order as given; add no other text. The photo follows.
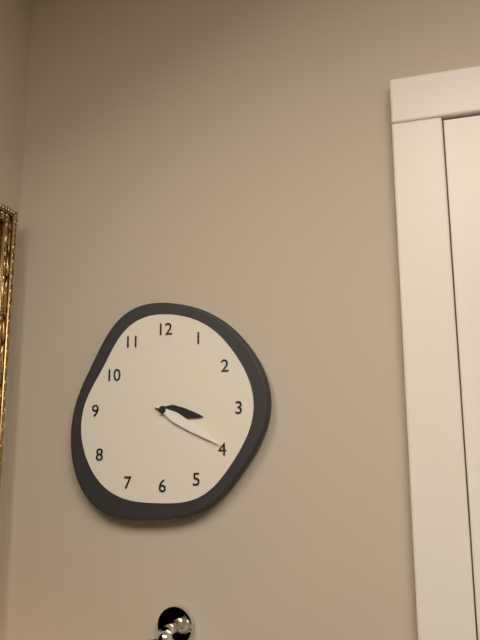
h=3 m=20
